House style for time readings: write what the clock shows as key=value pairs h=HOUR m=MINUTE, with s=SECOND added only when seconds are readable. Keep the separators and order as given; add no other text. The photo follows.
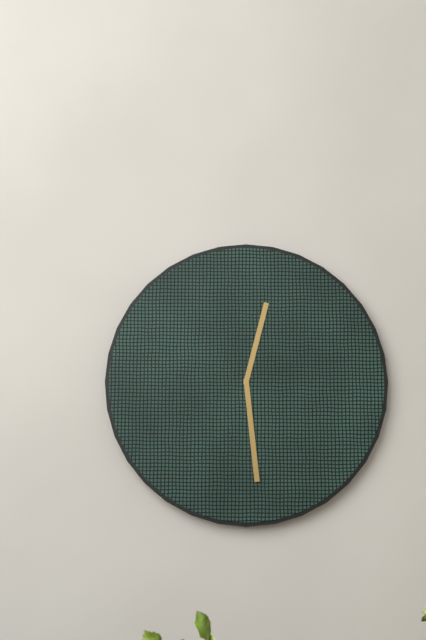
h=12 m=29
